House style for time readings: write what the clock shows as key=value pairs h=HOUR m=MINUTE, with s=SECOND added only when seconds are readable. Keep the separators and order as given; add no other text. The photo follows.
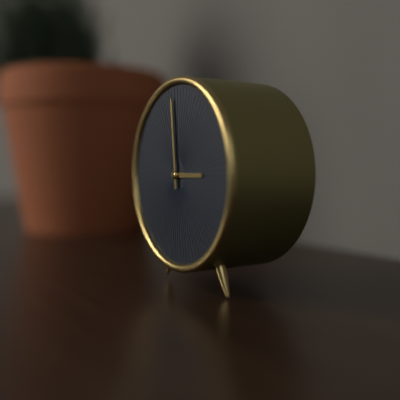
h=2 m=59
